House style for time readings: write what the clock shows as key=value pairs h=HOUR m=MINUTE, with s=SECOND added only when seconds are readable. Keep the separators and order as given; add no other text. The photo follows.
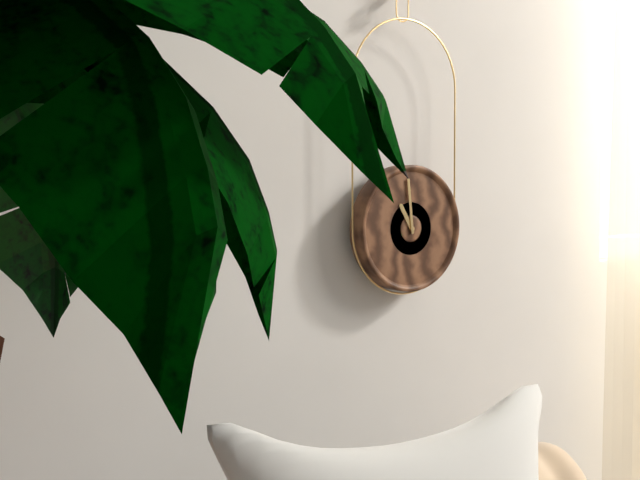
h=10 m=59
